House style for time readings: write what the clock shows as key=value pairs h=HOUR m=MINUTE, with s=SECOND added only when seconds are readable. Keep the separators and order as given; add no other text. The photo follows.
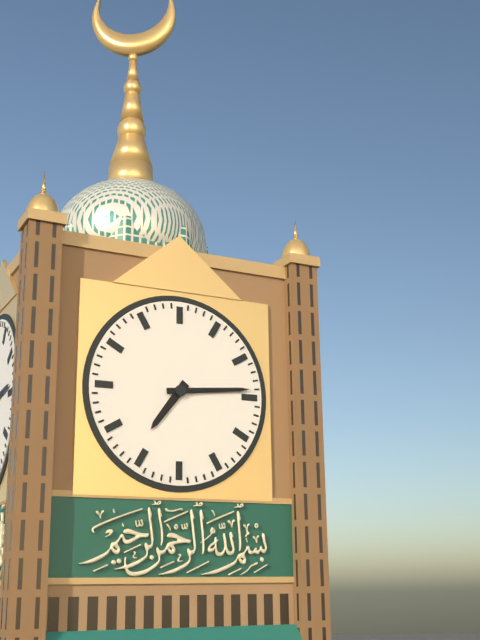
h=7 m=14
